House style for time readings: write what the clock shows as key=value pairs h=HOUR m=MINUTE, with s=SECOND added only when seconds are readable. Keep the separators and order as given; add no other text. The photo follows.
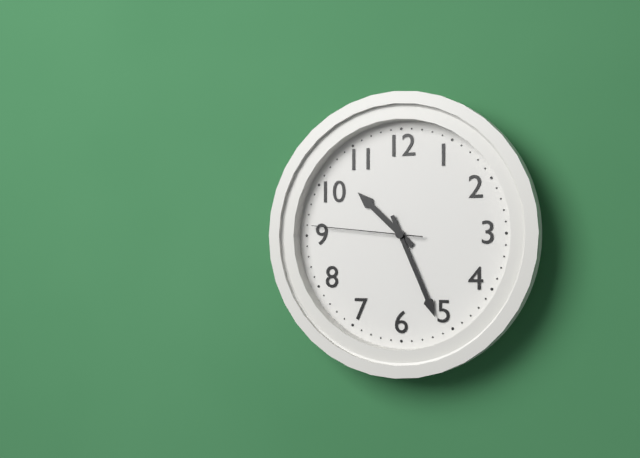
h=10 m=26 s=46
